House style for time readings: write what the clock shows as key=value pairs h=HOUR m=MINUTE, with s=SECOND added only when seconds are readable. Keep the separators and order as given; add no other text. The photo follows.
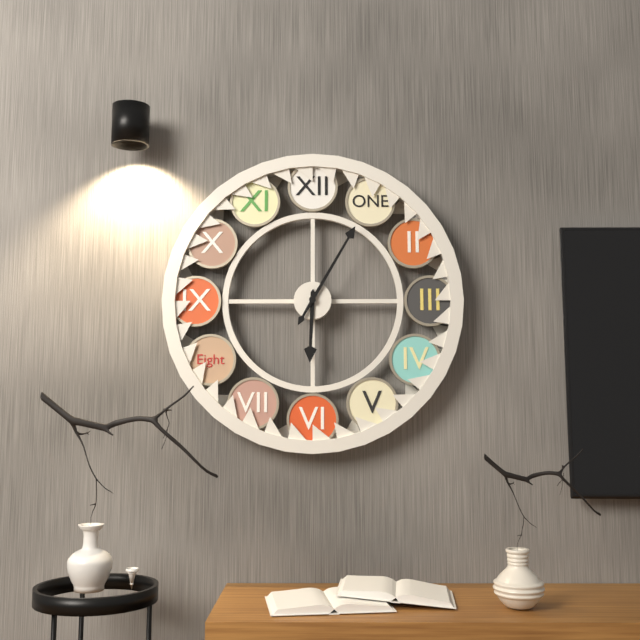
h=6 m=5
